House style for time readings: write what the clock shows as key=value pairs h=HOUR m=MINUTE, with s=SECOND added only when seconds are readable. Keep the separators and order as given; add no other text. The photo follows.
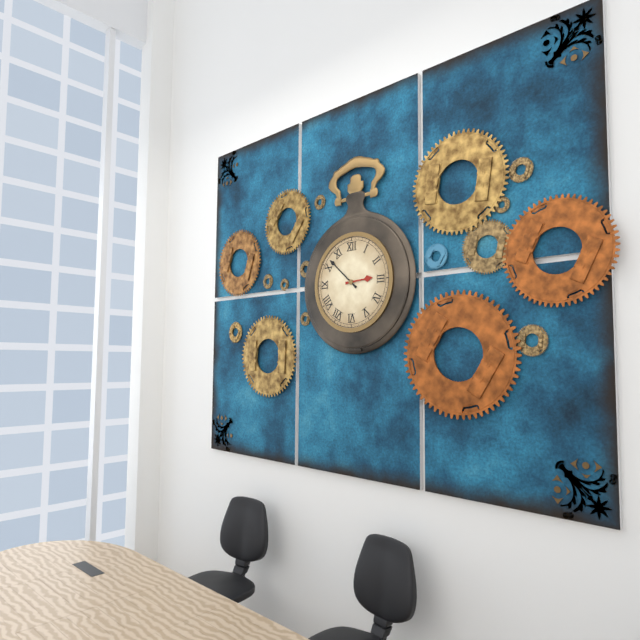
h=2 m=52
